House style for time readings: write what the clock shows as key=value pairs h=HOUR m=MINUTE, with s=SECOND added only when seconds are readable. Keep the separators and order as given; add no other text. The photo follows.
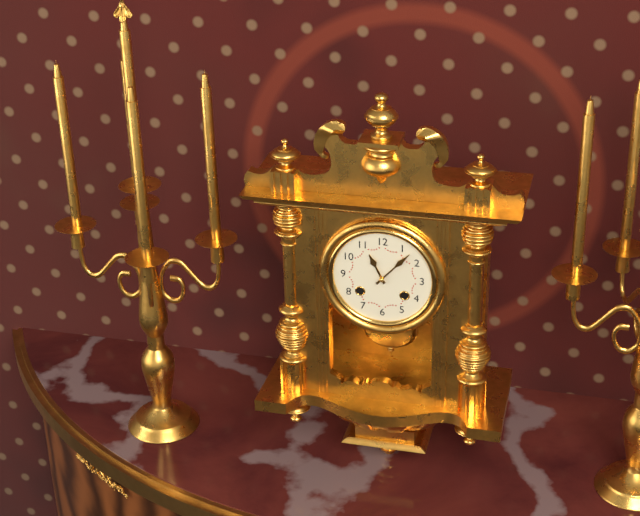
h=11 m=7
